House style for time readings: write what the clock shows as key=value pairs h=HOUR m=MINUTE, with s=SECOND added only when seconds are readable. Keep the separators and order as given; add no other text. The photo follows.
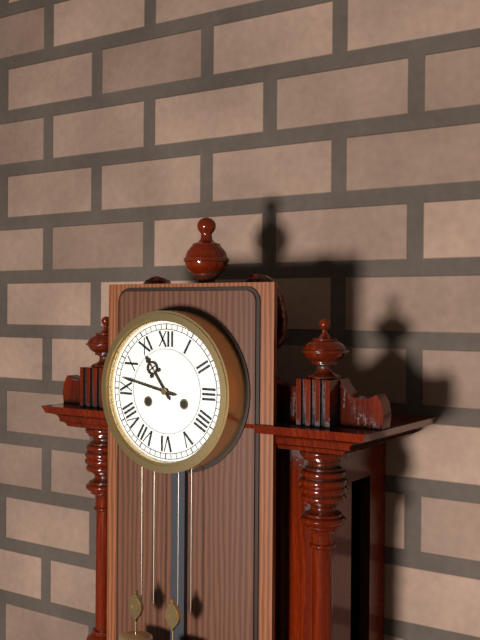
h=10 m=47
